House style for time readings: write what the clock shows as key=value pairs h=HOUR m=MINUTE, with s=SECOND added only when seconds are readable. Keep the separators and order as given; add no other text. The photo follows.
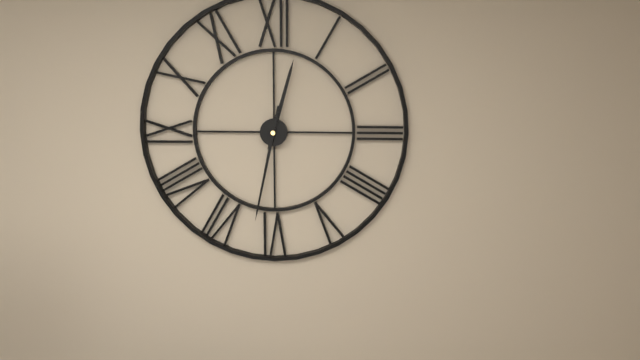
h=12 m=32
